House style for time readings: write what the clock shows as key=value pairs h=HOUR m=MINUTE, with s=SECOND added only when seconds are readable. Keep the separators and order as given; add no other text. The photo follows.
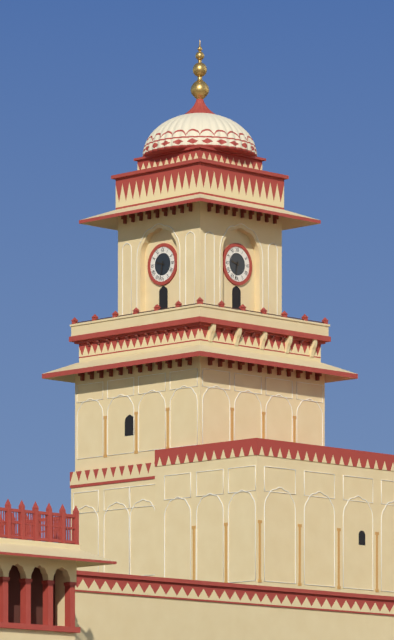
h=9 m=32
